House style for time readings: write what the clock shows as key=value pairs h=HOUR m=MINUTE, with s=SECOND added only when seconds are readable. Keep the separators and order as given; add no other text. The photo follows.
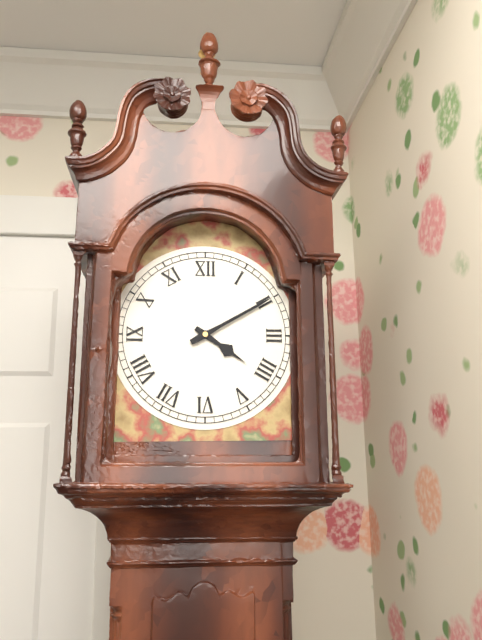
h=4 m=10
